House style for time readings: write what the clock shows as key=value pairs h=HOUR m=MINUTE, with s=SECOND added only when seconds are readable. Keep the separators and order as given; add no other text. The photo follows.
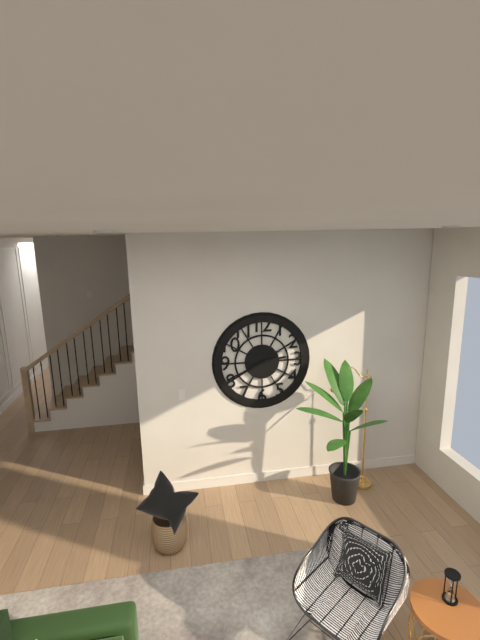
h=2 m=41
